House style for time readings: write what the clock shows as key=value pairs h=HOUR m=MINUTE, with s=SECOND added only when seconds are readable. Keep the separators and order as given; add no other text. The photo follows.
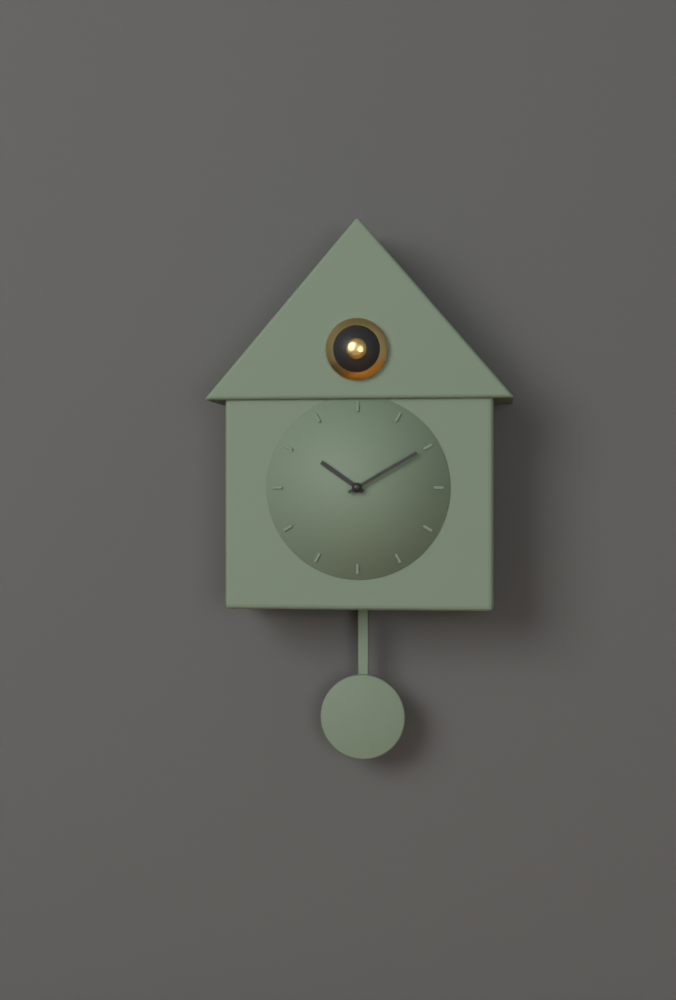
h=10 m=10
